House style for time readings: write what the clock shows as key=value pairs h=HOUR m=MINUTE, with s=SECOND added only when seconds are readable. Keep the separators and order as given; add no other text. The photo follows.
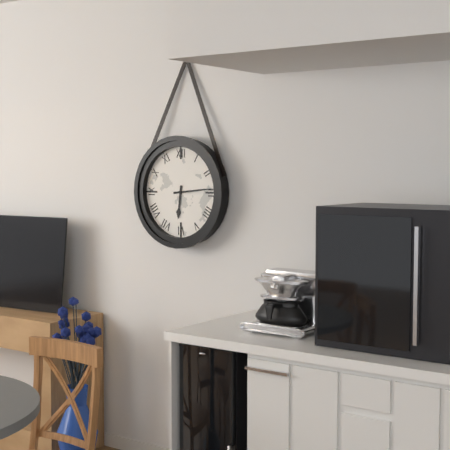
h=6 m=14
